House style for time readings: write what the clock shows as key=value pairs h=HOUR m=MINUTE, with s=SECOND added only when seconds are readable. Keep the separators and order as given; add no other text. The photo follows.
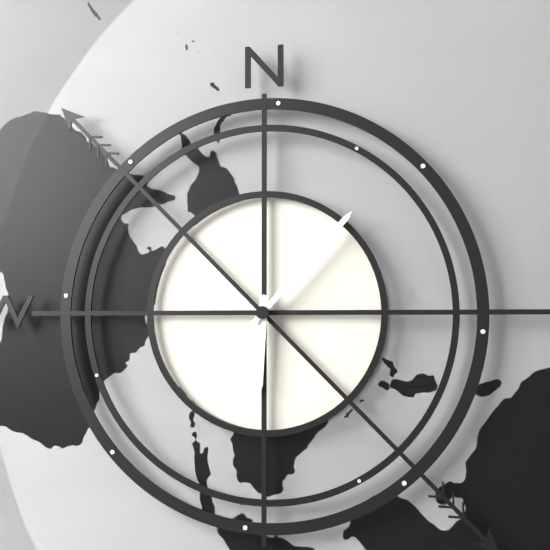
h=6 m=7
